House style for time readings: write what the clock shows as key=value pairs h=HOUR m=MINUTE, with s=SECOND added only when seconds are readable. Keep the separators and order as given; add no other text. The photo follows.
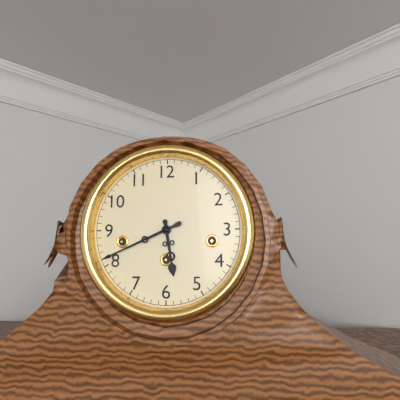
h=5 m=41
